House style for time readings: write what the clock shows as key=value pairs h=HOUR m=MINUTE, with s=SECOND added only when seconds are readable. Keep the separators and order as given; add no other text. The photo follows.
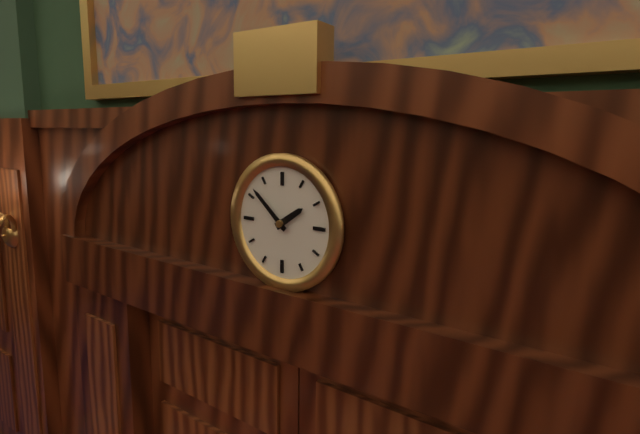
h=1 m=52
